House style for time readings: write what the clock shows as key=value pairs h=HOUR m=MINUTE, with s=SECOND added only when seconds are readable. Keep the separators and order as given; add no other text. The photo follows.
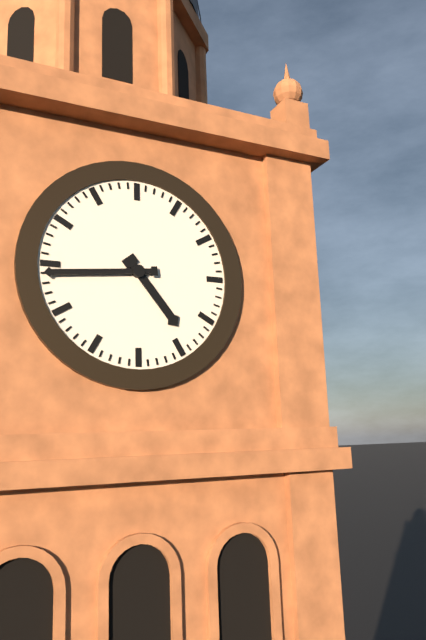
h=4 m=44
